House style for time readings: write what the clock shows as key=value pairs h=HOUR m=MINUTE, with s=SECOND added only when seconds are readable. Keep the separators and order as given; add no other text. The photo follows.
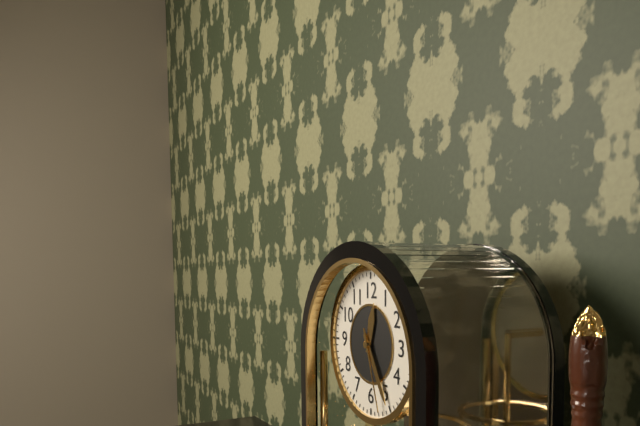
h=12 m=25 s=27
